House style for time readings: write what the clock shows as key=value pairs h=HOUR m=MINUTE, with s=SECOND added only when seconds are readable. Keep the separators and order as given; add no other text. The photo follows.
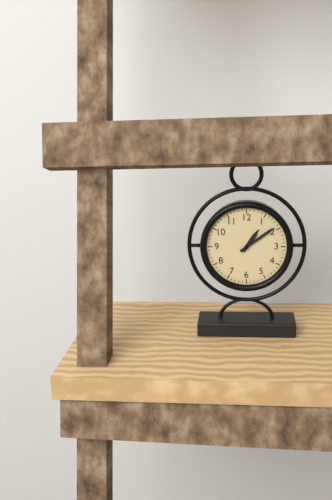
h=1 m=9
